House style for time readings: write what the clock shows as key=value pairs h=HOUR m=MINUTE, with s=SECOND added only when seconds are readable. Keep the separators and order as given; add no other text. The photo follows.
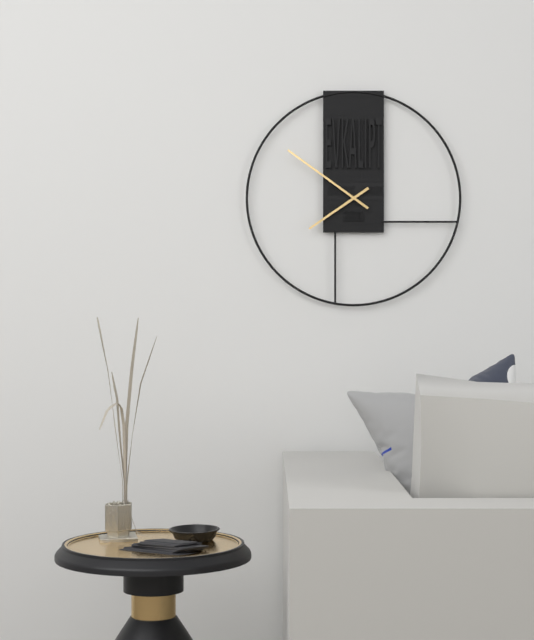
h=7 m=51
